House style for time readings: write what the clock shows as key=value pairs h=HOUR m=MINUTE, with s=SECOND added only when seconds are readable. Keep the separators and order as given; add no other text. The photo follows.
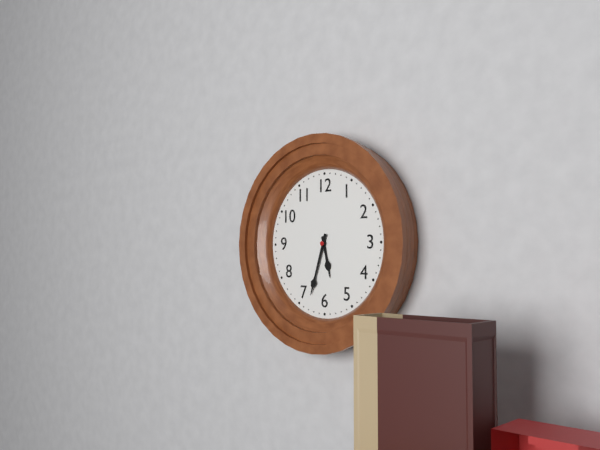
h=5 m=33
